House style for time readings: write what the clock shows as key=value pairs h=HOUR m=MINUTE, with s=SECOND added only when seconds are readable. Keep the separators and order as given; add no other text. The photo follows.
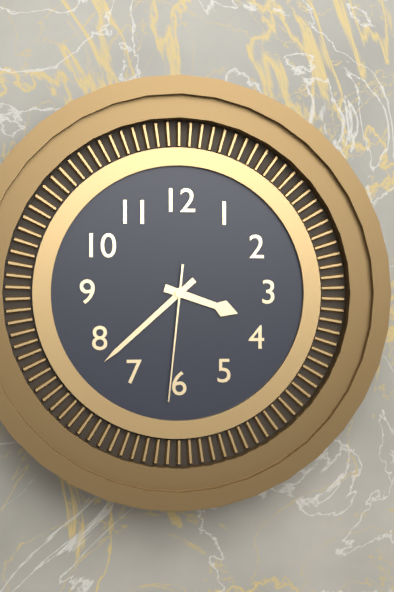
h=3 m=38 s=31
